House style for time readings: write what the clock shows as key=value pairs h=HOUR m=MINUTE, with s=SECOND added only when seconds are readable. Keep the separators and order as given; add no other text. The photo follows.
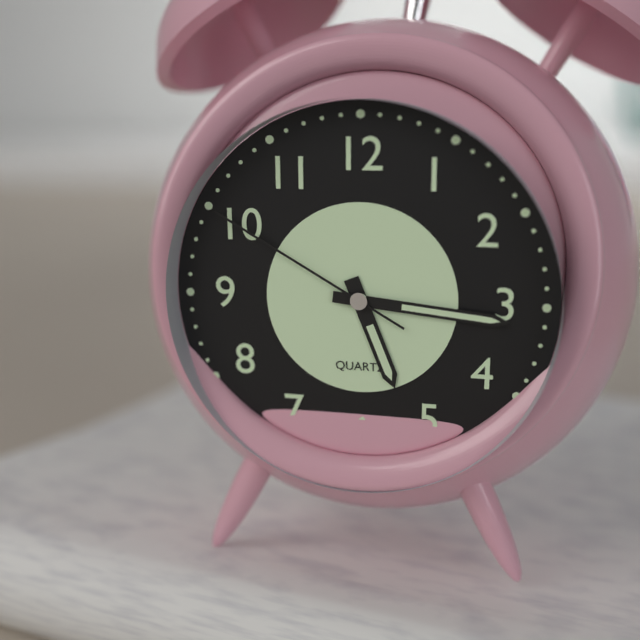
h=5 m=16 s=50
